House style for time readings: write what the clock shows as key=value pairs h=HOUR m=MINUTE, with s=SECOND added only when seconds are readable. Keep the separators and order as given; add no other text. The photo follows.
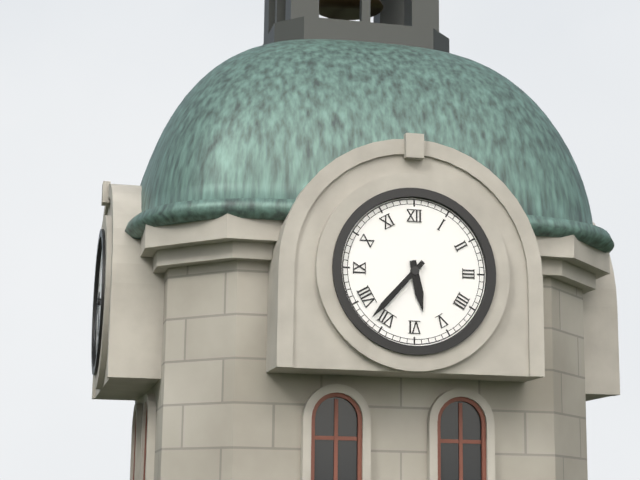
h=5 m=37
